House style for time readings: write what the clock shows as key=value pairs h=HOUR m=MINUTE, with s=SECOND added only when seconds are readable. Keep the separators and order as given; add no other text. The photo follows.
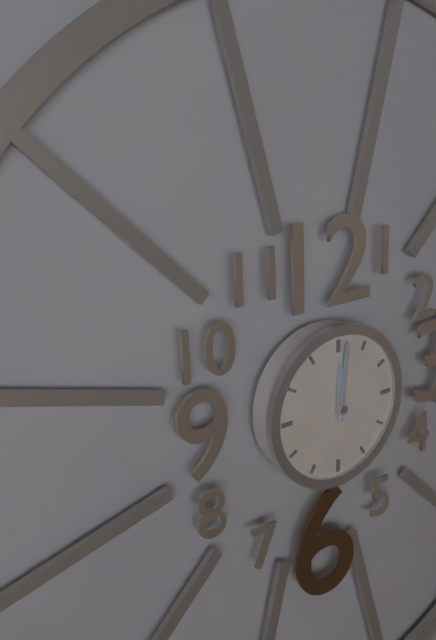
h=12 m=1
